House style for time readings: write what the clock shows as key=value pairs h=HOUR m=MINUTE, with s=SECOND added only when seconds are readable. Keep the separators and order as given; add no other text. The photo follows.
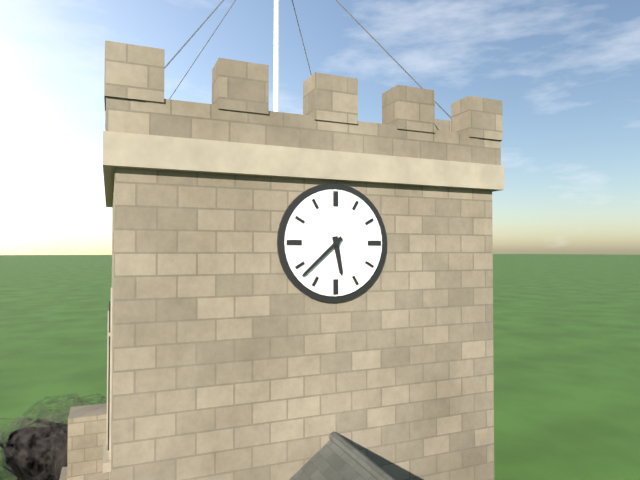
h=5 m=38
